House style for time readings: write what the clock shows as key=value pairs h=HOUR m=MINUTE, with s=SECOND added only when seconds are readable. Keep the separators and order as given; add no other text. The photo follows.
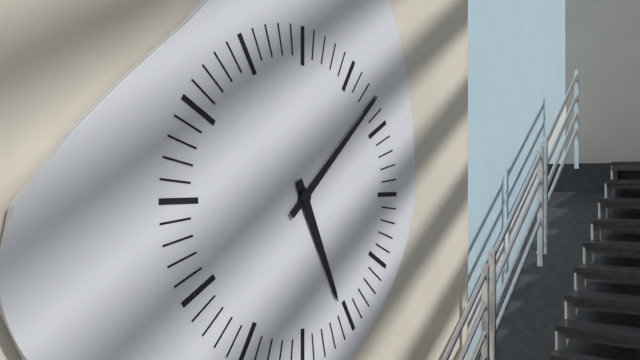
h=5 m=8
